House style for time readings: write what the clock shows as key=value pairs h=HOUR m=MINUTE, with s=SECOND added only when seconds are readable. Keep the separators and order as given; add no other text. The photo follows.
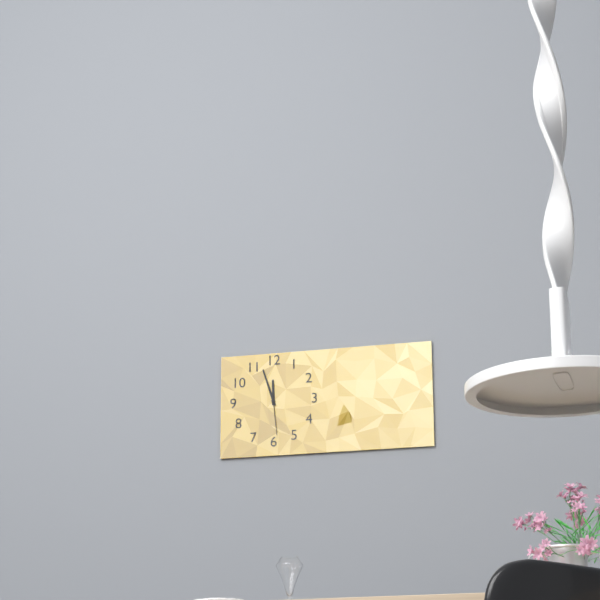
h=11 m=57
